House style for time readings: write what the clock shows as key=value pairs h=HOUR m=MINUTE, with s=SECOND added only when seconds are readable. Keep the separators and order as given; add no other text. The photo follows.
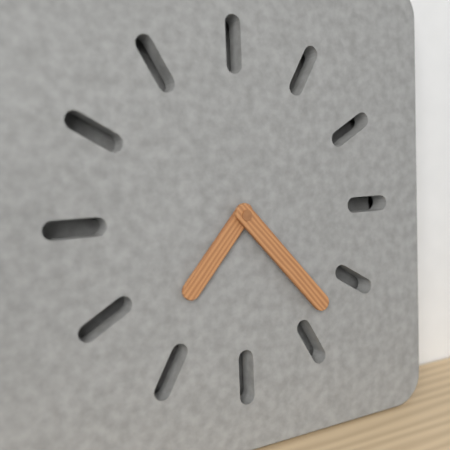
h=7 m=23
